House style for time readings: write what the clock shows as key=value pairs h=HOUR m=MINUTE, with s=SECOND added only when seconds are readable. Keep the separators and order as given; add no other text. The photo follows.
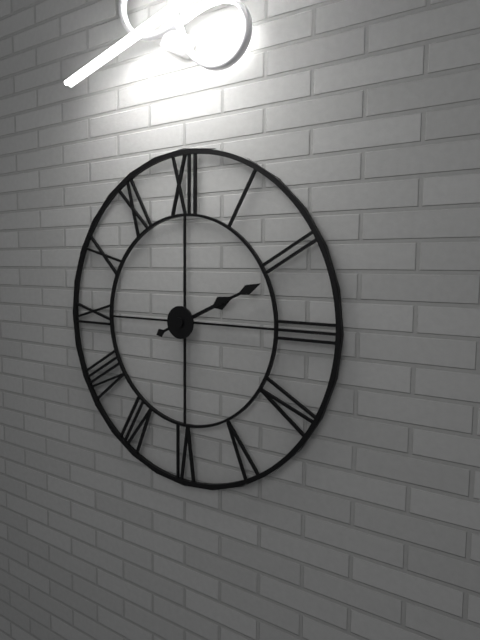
h=2 m=11
